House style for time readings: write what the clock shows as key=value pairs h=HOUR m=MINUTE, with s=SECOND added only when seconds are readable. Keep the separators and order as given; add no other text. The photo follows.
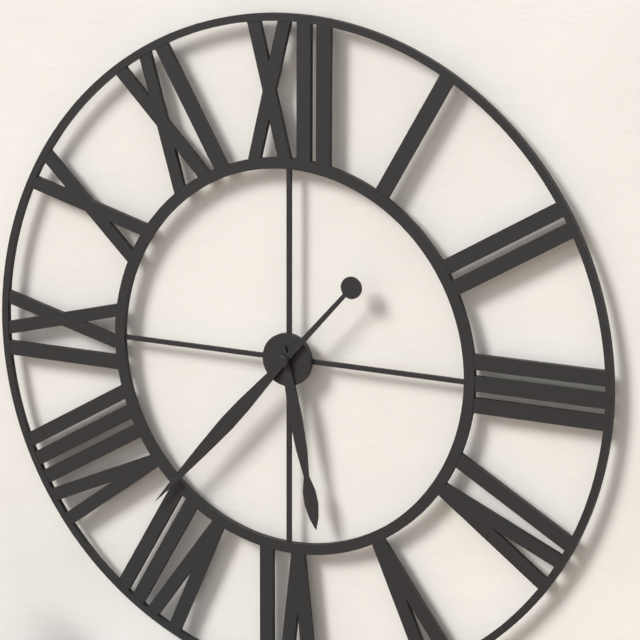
h=5 m=37
